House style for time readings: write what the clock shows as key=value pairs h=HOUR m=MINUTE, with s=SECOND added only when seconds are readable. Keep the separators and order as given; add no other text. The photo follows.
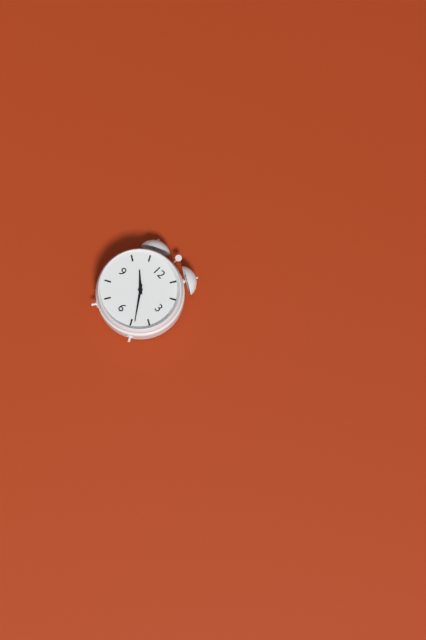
h=10 m=24
